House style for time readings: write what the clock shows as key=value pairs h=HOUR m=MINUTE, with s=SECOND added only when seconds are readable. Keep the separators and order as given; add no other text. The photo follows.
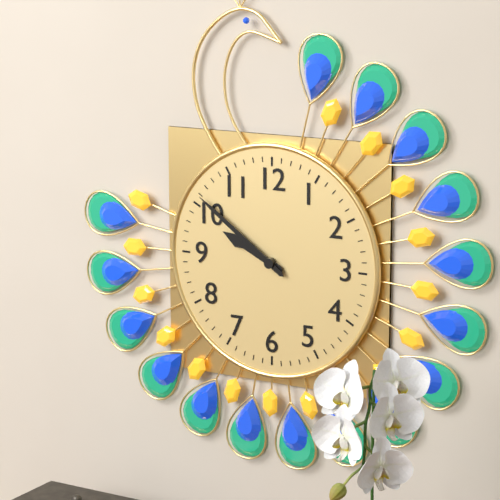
h=9 m=51
